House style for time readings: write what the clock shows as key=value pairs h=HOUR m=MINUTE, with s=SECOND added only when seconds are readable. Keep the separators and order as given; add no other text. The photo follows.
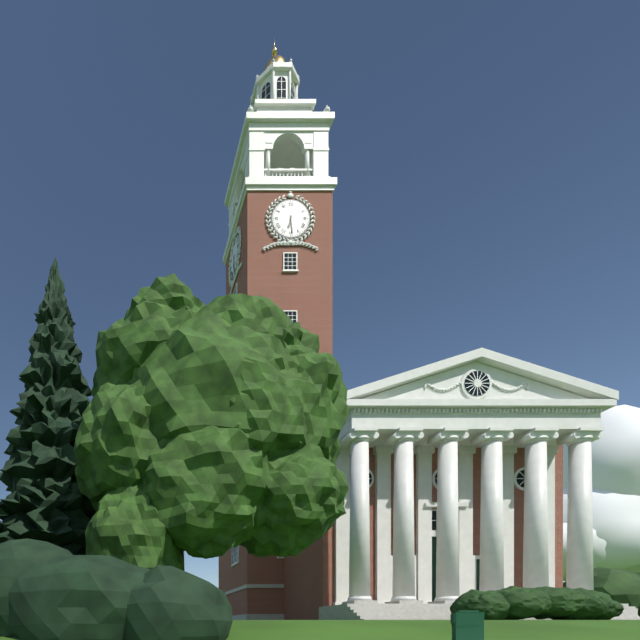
h=6 m=29
